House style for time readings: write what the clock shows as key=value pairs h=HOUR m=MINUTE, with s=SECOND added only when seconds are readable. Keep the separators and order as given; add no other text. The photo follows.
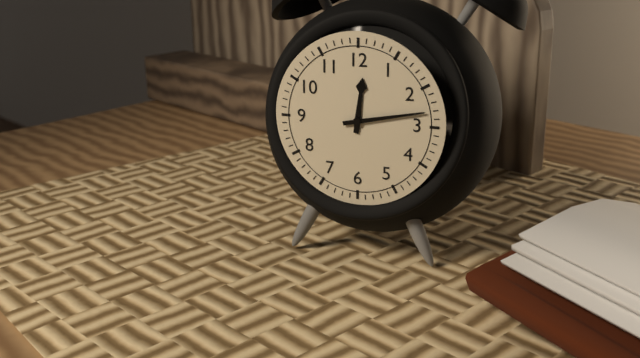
h=12 m=13
